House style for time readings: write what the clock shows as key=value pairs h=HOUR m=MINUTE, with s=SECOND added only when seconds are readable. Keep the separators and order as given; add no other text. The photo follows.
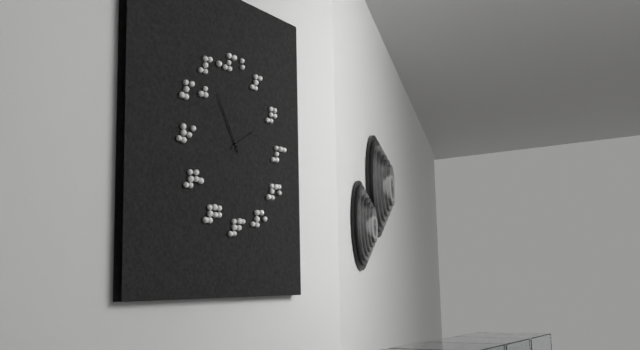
h=1 m=55
